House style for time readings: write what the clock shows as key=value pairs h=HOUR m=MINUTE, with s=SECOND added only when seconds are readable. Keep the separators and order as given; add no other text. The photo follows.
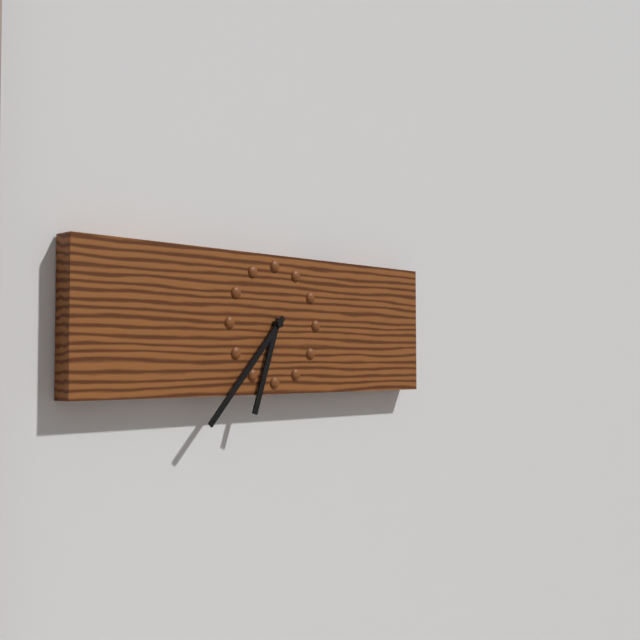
h=6 m=37
